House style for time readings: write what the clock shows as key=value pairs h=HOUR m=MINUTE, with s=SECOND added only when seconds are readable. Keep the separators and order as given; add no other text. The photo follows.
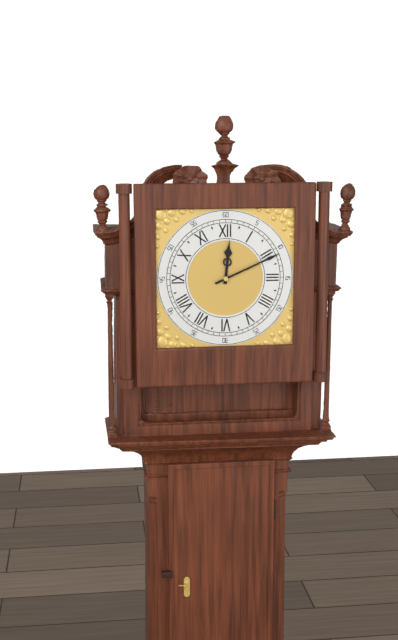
h=12 m=11
